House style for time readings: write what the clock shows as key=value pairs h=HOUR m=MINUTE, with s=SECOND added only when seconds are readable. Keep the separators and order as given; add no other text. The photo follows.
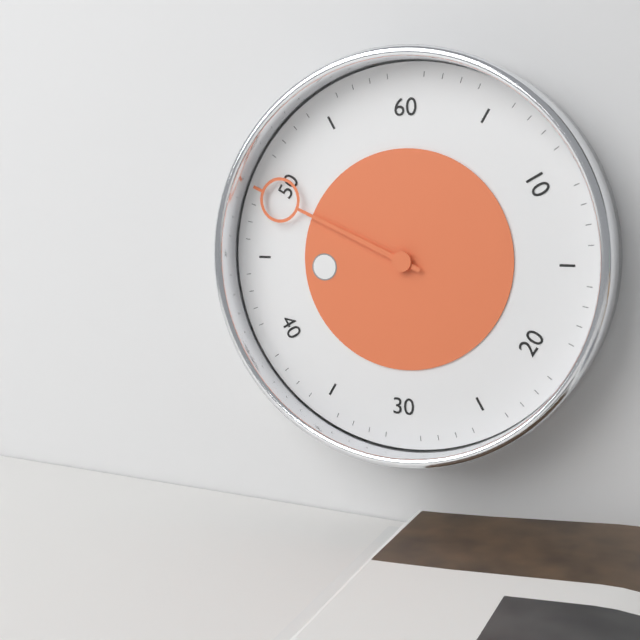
h=8 m=49
